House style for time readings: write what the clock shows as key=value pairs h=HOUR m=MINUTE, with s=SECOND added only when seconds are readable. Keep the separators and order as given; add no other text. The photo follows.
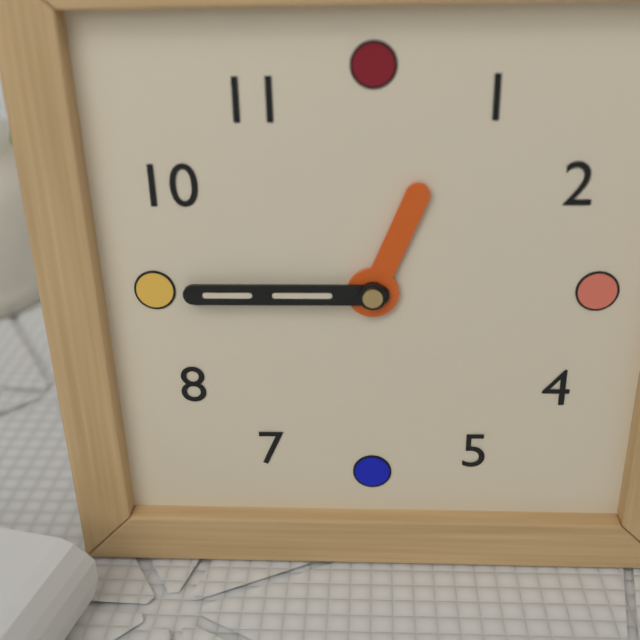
h=12 m=45
